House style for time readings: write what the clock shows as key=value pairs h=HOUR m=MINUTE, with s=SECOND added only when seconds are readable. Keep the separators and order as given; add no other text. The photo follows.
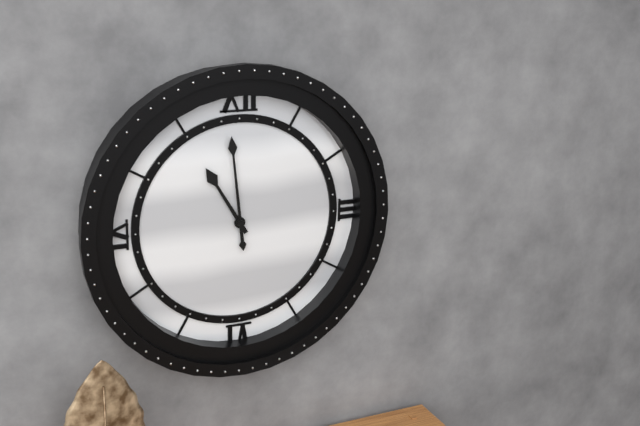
h=10 m=59
